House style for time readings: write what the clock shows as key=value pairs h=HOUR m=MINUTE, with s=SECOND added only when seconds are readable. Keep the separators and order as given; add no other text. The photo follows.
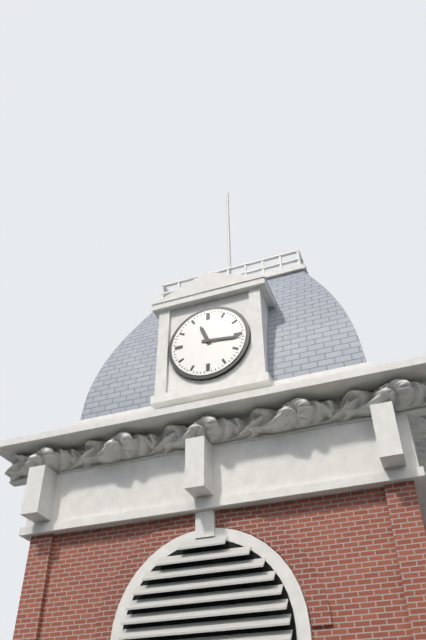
h=11 m=16
